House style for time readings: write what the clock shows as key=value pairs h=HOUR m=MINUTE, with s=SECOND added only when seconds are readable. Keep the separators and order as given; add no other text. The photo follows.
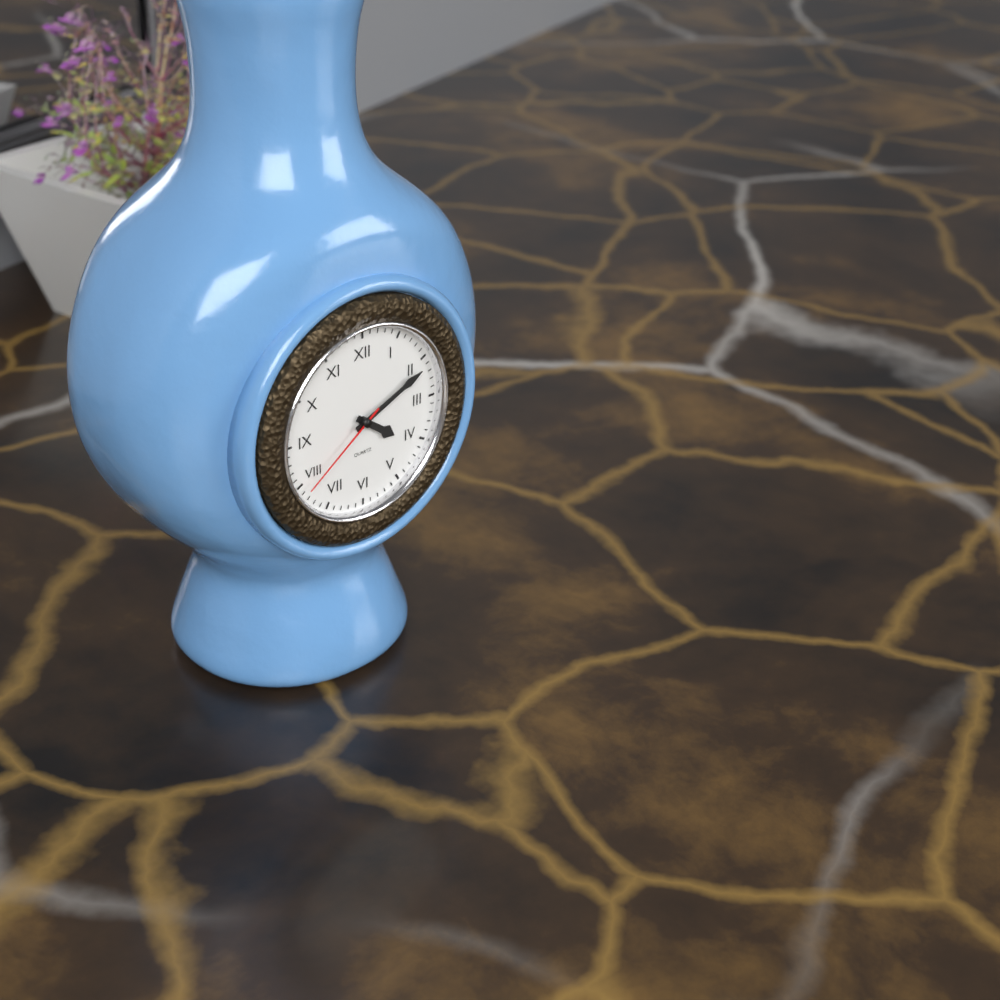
h=4 m=11 s=39
